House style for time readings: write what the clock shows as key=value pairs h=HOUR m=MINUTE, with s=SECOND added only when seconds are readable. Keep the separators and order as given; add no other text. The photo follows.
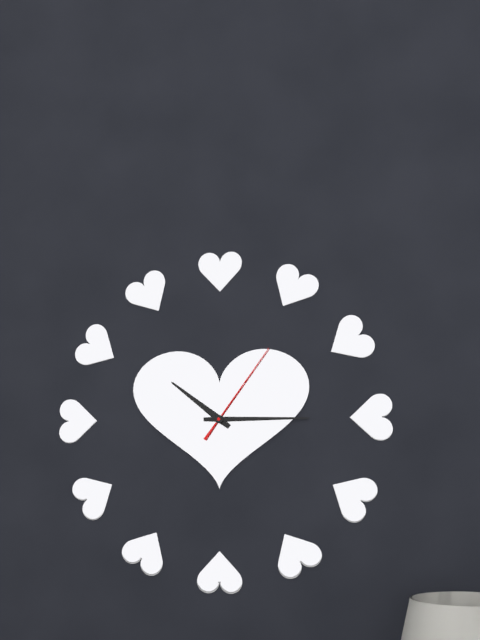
h=10 m=15 s=6
